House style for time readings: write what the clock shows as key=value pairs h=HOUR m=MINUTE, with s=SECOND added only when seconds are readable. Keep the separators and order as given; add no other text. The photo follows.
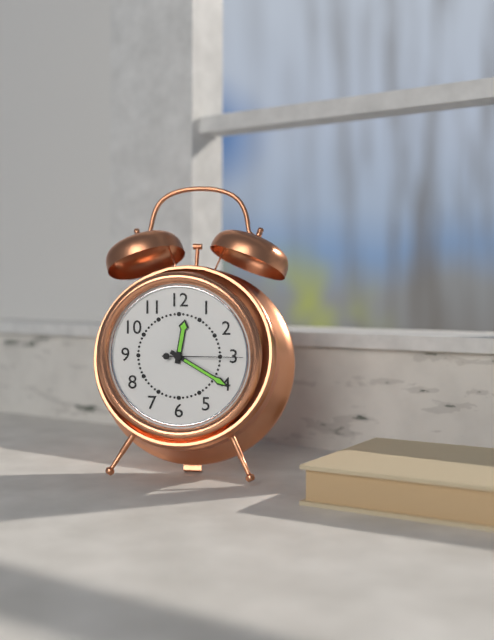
h=12 m=20 s=15
